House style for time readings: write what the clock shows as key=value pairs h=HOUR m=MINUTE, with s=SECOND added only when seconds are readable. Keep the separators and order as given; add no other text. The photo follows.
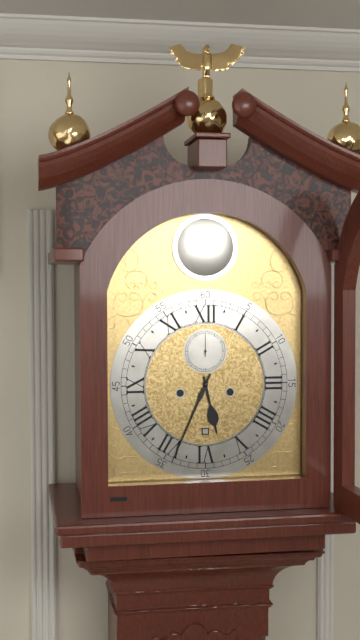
h=5 m=34
